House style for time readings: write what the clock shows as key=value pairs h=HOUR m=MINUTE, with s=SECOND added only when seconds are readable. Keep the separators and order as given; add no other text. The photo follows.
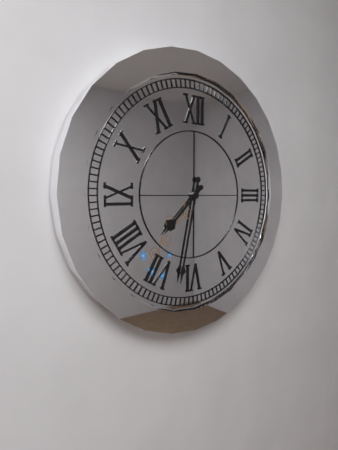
h=7 m=32
